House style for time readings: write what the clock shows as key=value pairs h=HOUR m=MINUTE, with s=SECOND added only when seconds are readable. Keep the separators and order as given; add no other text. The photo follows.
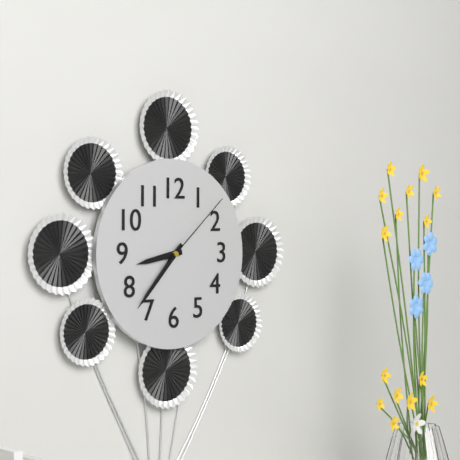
h=8 m=37 s=8
